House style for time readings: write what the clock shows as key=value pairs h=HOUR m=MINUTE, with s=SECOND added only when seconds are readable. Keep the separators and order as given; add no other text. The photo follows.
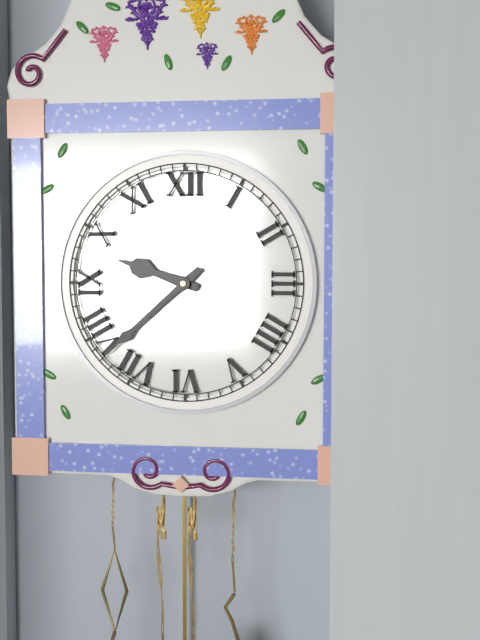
h=9 m=38
